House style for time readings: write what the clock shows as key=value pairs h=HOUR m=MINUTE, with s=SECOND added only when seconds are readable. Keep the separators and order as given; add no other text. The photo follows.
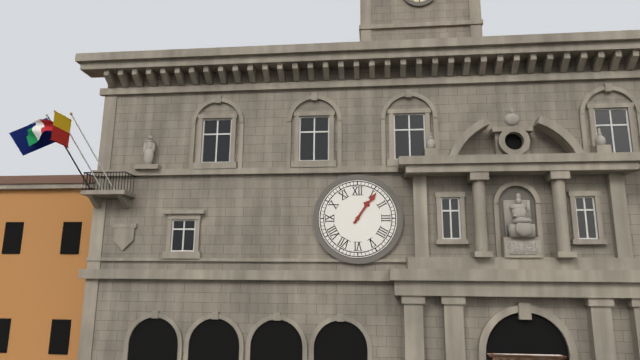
h=1 m=6
